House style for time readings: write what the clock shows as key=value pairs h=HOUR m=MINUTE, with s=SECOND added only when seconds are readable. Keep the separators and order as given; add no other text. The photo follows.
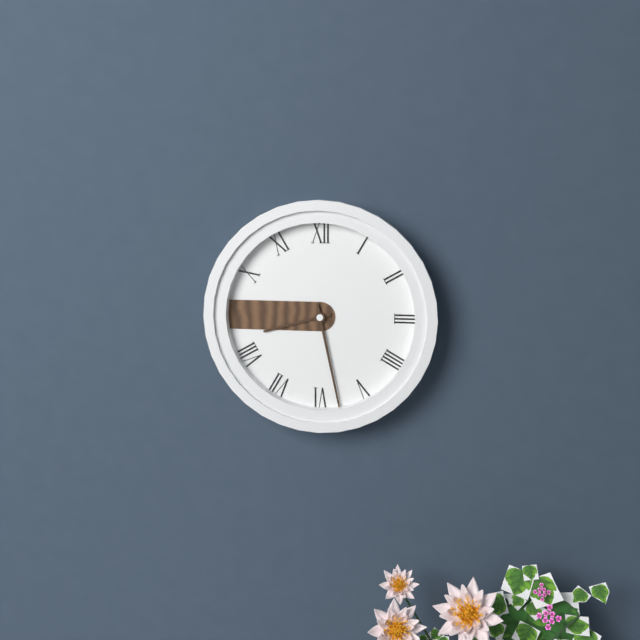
h=8 m=28
